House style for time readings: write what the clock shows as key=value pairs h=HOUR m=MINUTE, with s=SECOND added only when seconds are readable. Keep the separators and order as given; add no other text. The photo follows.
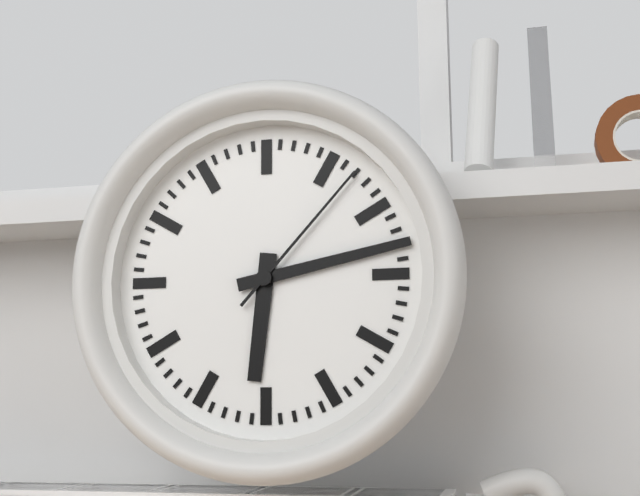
h=6 m=13 s=7
